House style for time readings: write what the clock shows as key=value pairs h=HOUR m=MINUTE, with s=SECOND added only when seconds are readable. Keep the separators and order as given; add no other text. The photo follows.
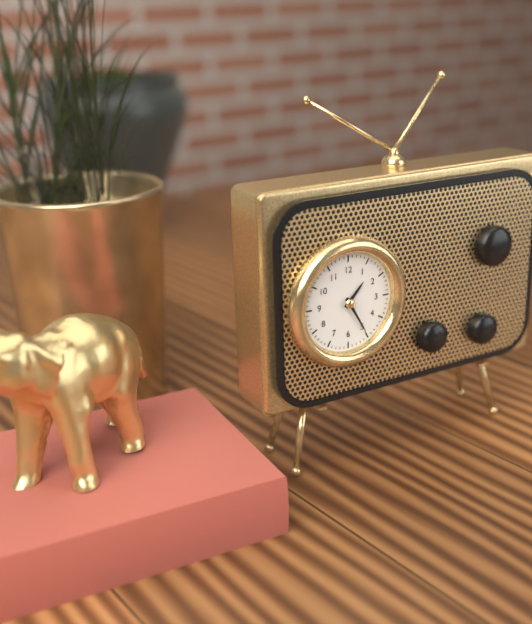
h=1 m=25
